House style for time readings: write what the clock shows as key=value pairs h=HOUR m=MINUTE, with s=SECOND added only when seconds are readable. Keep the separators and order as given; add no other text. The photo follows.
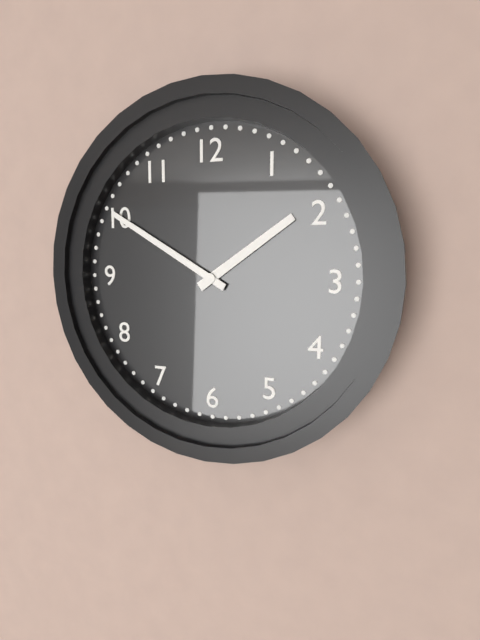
h=1 m=50
